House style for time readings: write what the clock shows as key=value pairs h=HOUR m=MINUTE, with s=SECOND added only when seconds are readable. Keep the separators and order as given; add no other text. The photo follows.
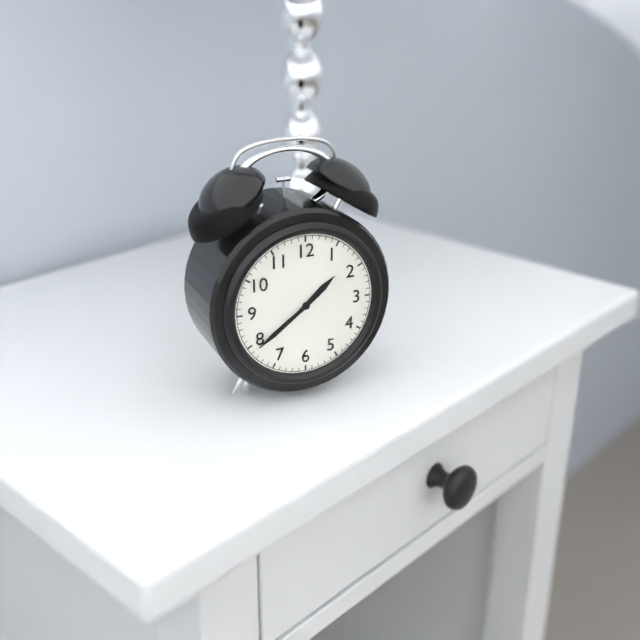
h=1 m=39
